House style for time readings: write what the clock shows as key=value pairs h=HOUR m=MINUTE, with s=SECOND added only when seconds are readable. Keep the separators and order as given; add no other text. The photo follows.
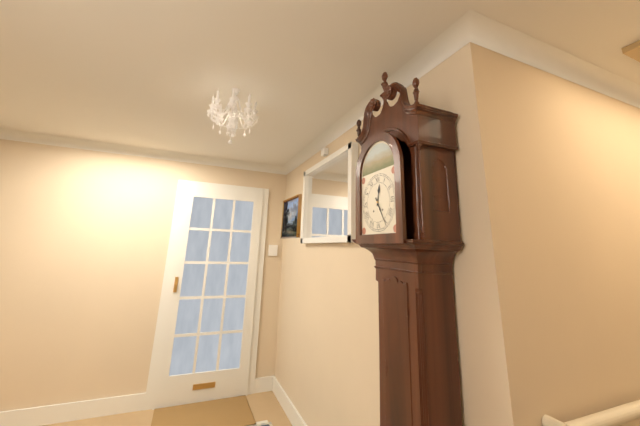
h=12 m=25
